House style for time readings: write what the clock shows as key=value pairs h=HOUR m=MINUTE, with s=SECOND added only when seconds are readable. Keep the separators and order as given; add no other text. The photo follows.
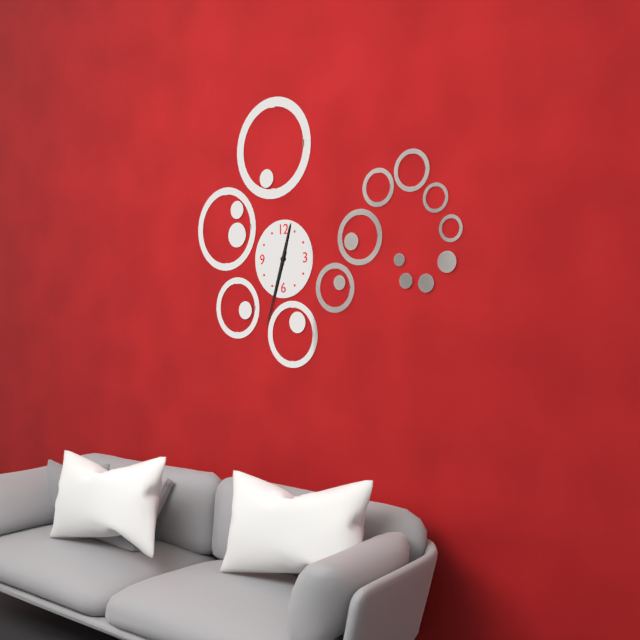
h=12 m=33
